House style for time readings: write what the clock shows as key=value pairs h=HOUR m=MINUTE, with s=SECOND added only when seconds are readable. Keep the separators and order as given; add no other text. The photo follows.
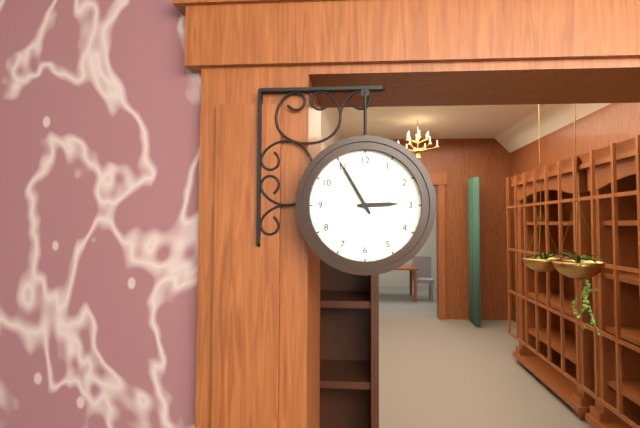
h=2 m=55
